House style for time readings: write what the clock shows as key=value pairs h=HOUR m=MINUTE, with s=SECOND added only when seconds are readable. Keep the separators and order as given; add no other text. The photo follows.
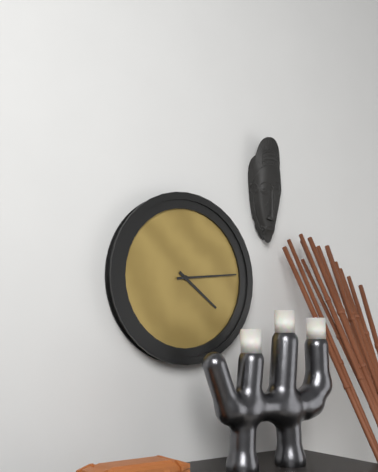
h=4 m=14
